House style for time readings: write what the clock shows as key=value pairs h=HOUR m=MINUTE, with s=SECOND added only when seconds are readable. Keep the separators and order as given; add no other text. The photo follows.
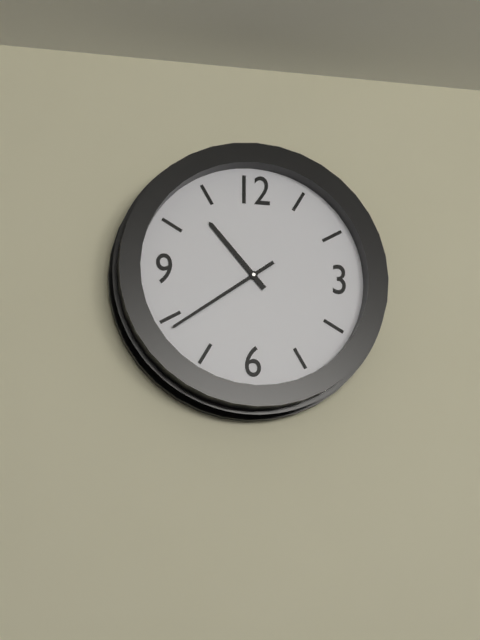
h=10 m=39
